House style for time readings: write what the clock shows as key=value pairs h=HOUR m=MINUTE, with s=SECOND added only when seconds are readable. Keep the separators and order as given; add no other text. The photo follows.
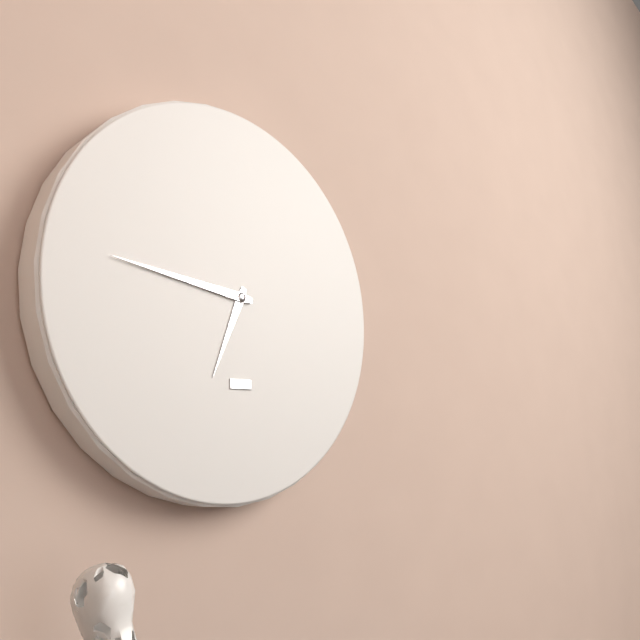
h=6 m=46
